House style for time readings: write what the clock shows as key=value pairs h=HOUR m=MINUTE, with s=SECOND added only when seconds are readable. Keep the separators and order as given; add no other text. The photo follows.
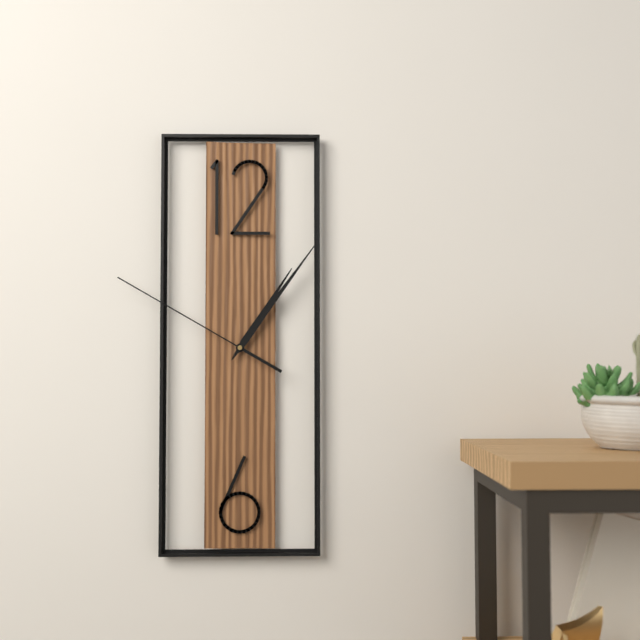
h=1 m=6 s=50
